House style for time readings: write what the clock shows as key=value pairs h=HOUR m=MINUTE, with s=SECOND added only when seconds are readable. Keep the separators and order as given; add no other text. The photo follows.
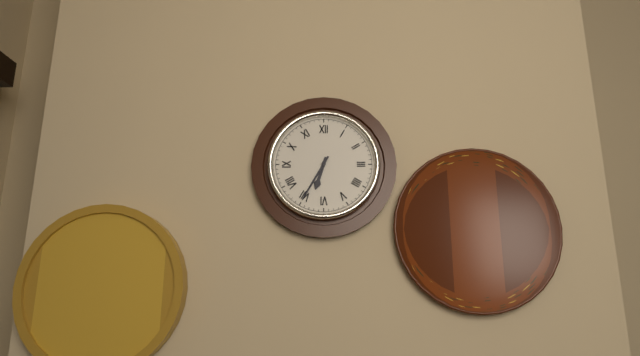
h=6 m=35
